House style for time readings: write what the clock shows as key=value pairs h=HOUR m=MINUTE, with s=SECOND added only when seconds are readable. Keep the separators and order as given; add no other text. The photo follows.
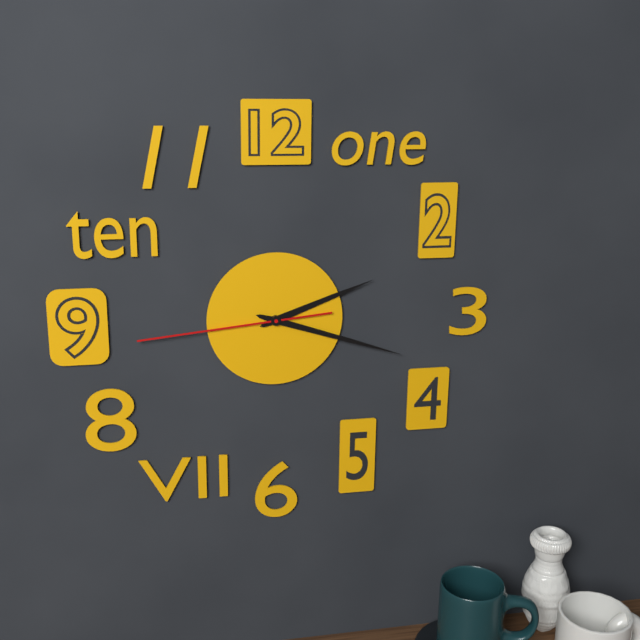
h=2 m=18 s=44
